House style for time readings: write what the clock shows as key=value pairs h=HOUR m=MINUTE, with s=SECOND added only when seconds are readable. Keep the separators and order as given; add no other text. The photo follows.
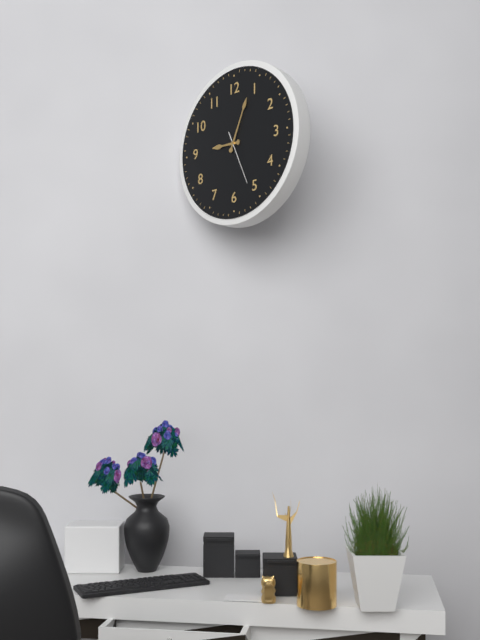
h=9 m=4 s=26
